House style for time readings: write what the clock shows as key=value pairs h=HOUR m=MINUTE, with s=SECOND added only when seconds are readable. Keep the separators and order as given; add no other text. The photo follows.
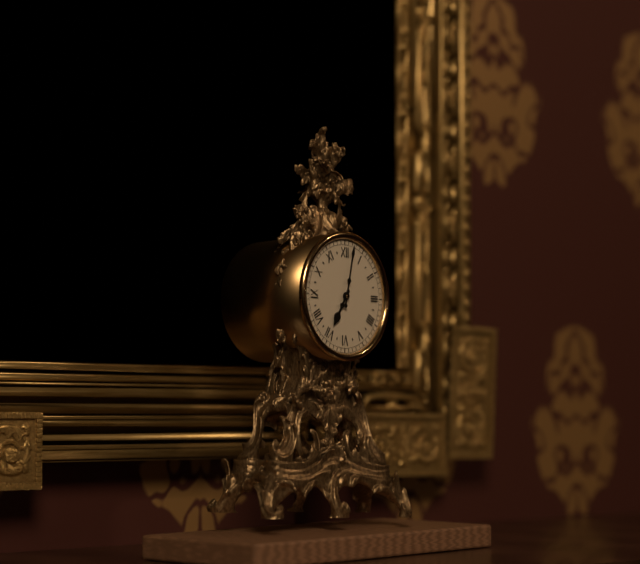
h=7 m=2
